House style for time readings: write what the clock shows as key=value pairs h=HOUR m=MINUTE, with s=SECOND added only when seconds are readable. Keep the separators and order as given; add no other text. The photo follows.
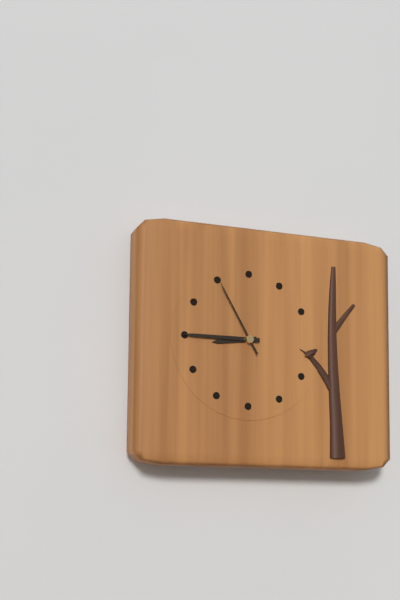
h=8 m=45 s=55
